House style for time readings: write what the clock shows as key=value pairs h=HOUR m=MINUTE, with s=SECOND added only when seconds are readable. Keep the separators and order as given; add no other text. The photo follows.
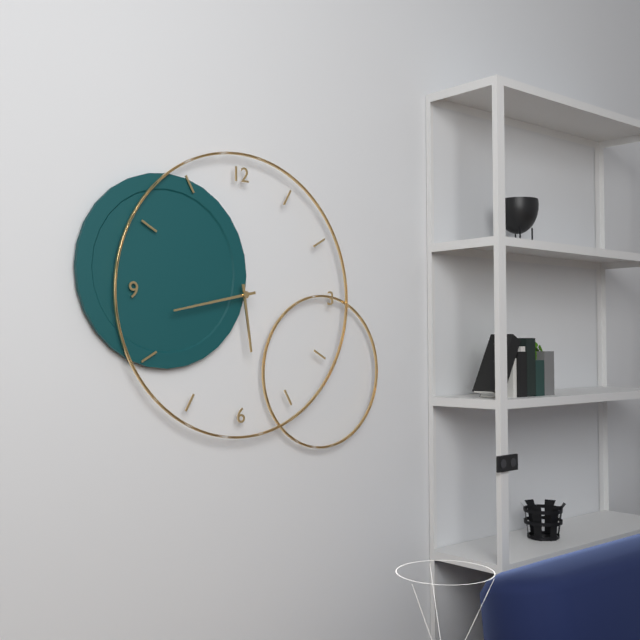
h=5 m=43
